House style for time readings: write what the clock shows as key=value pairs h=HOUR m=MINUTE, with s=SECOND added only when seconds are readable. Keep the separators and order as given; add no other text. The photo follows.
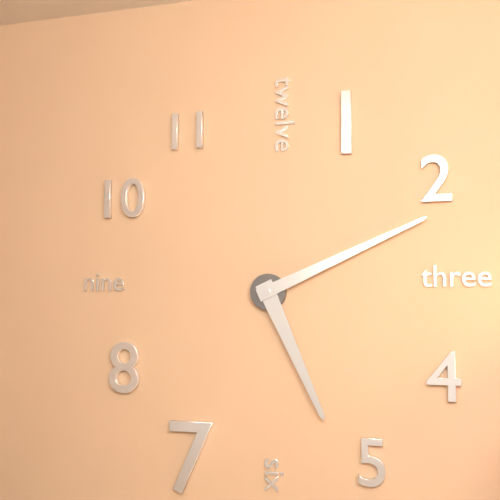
h=5 m=11
